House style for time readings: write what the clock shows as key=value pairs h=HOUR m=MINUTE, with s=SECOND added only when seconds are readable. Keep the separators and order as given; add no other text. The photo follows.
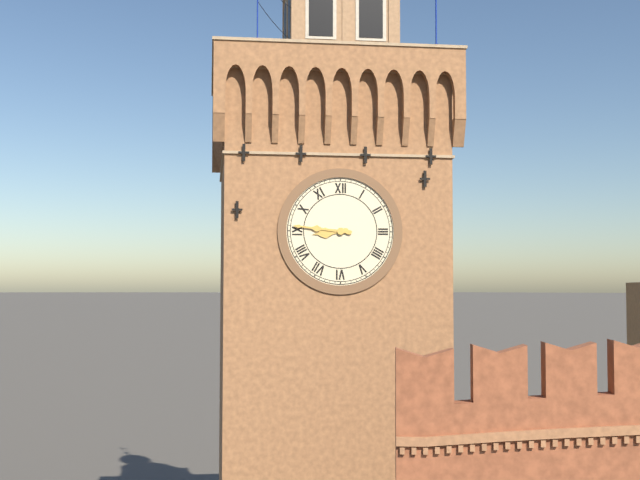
h=8 m=46
